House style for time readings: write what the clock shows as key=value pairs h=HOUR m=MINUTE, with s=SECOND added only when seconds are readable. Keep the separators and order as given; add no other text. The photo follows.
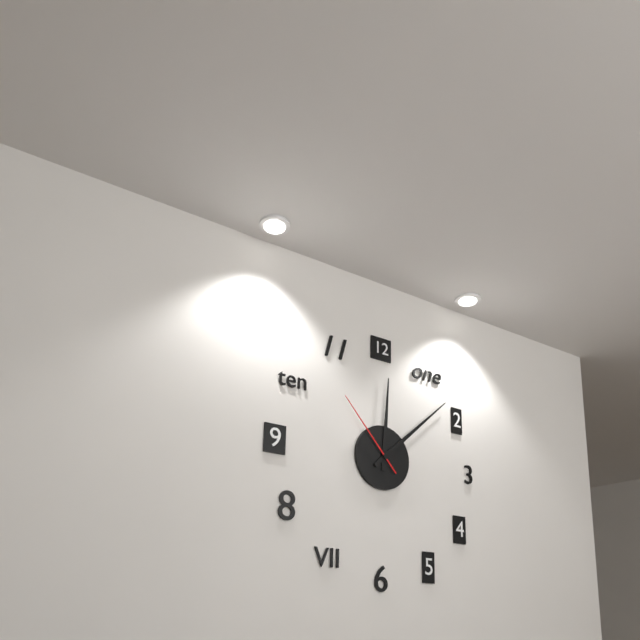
h=12 m=8 s=53
